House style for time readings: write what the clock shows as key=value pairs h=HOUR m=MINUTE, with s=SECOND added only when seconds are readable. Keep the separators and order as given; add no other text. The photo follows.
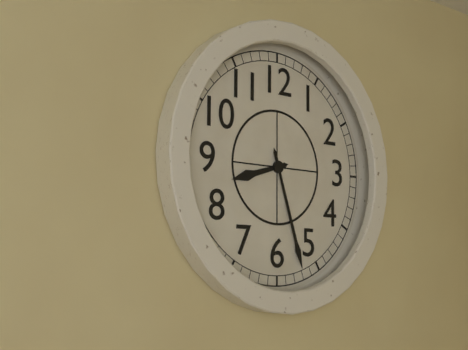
h=8 m=27
